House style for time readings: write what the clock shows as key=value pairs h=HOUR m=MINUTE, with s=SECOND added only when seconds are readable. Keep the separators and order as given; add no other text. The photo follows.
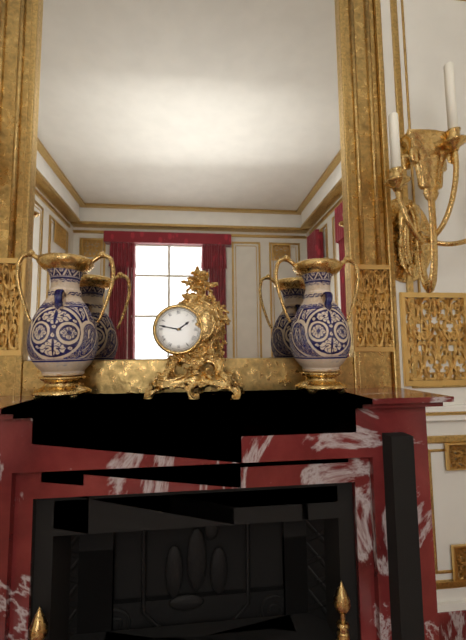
h=1 m=47
